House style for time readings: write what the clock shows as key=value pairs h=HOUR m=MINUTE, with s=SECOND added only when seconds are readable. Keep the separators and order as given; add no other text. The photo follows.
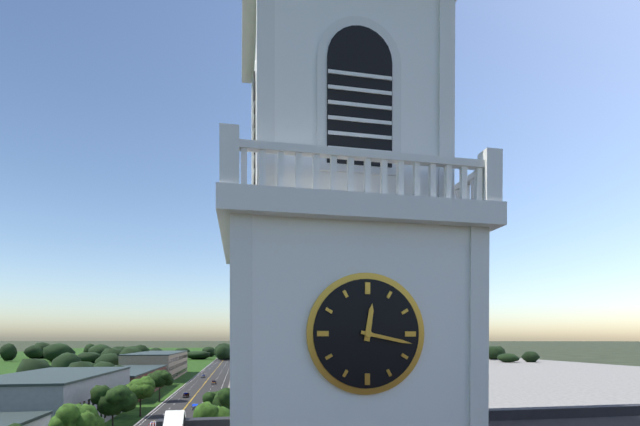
h=12 m=17
